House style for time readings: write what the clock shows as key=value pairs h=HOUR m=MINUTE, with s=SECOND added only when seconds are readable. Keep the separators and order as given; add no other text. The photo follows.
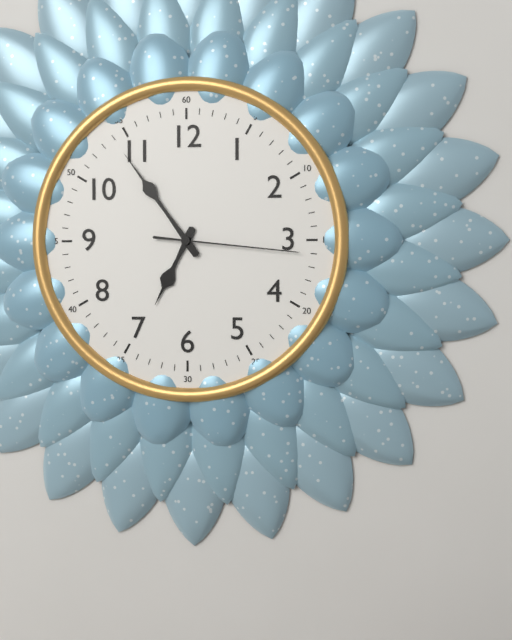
h=6 m=54 s=16
